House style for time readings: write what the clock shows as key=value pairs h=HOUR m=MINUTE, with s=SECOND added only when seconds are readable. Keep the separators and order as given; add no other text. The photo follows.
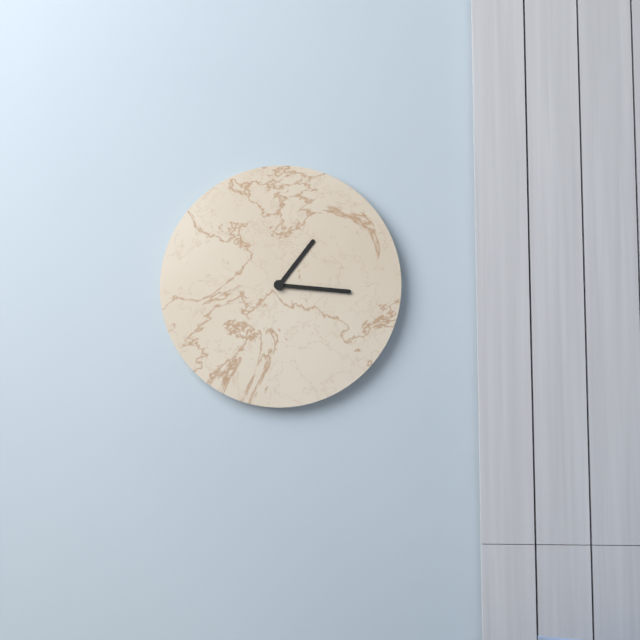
h=1 m=16
